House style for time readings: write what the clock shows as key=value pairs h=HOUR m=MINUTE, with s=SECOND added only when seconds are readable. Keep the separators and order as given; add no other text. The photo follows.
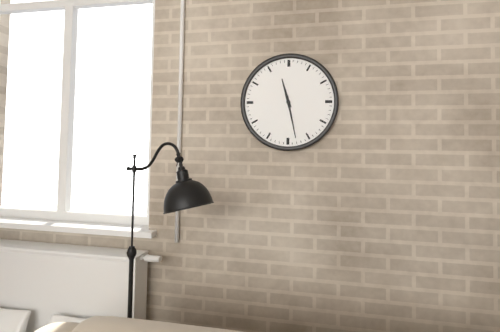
h=11 m=28
